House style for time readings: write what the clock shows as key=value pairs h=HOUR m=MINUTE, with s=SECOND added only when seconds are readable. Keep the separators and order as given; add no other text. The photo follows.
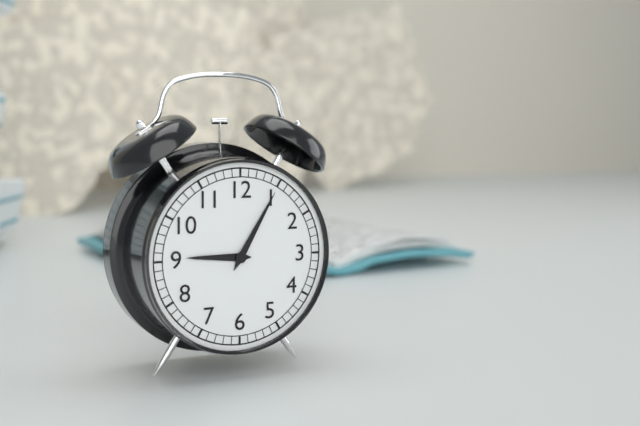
h=9 m=5
